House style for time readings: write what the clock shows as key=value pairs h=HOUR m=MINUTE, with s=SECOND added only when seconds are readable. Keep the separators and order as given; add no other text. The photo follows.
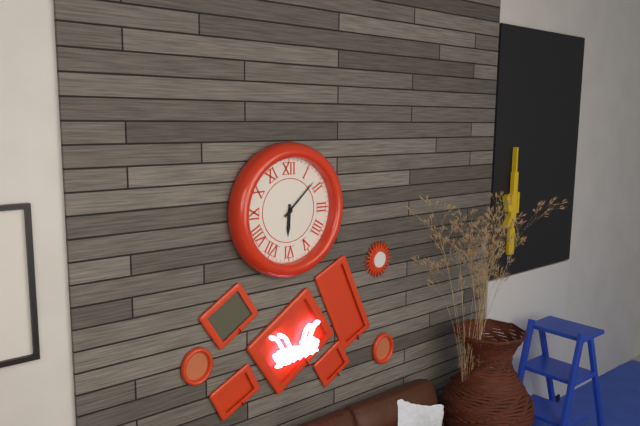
h=6 m=8
